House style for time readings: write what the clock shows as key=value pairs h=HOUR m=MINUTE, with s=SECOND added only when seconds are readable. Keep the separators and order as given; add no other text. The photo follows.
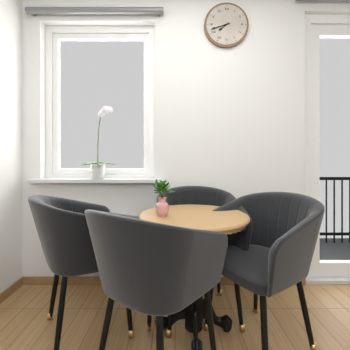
h=7 m=42
